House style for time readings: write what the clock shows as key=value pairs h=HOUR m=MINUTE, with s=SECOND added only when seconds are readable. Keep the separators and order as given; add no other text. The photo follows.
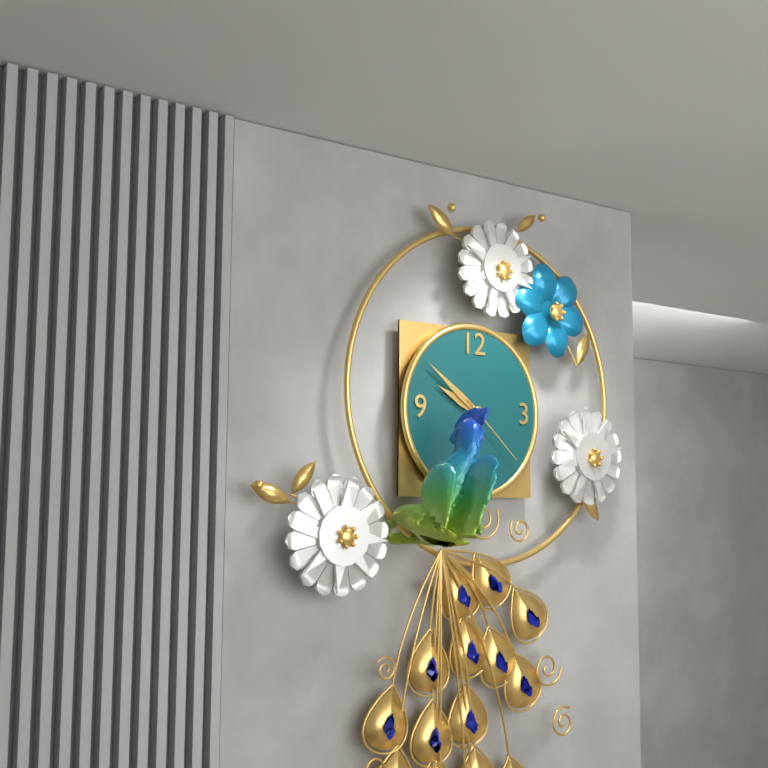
h=9 m=51 s=22
